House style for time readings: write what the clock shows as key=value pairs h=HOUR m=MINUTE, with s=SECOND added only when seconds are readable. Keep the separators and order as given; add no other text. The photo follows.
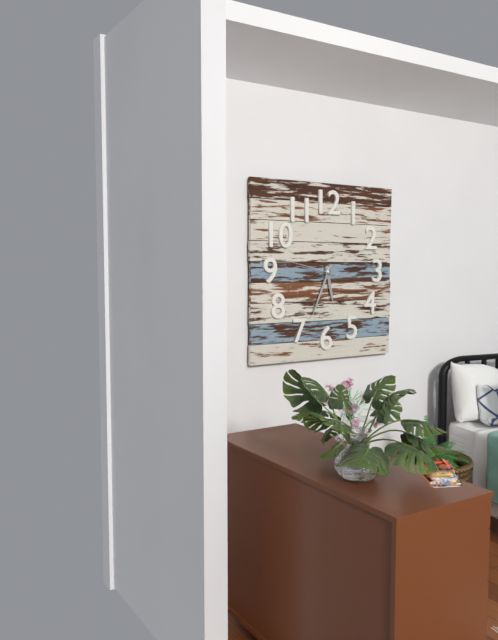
h=5 m=34
